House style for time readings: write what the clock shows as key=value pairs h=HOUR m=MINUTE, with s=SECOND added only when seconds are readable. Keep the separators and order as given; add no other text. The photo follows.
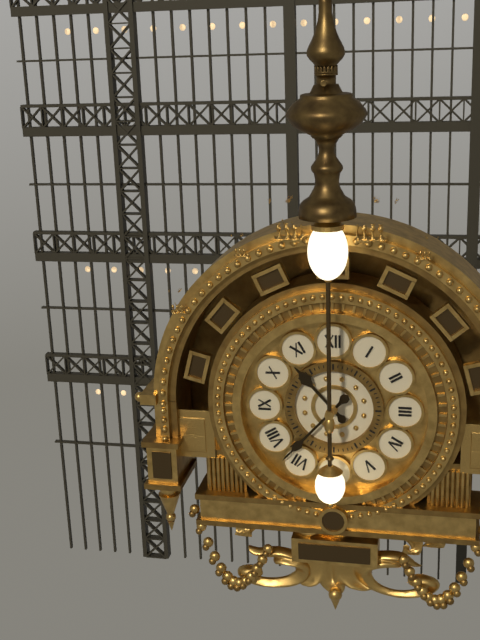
h=10 m=37
